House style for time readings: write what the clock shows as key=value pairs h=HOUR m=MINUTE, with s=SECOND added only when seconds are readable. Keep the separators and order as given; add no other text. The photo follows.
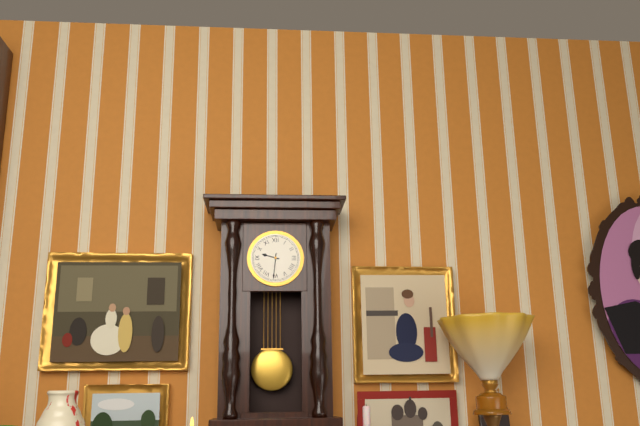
h=9 m=31
